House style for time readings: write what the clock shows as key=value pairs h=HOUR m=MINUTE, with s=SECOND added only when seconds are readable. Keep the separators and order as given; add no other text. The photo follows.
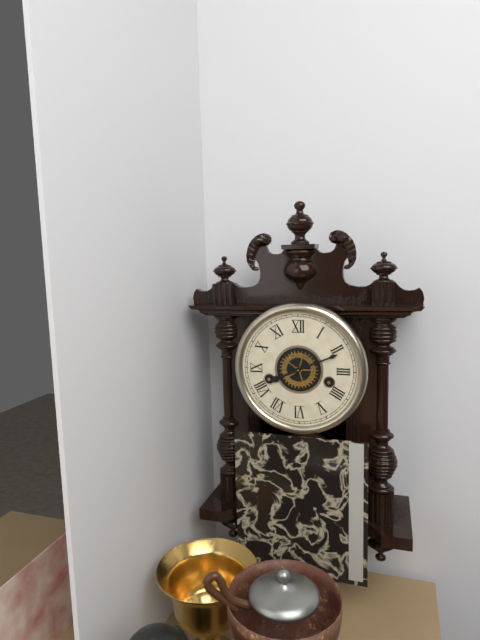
h=8 m=11
